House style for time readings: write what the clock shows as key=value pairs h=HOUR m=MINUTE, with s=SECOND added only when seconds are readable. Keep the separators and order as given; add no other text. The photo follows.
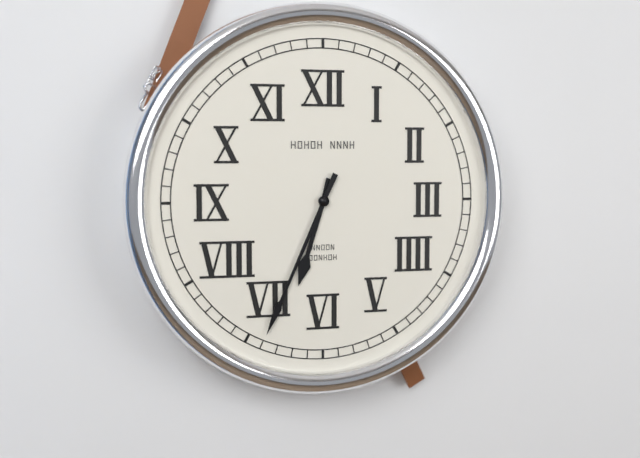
h=6 m=34
